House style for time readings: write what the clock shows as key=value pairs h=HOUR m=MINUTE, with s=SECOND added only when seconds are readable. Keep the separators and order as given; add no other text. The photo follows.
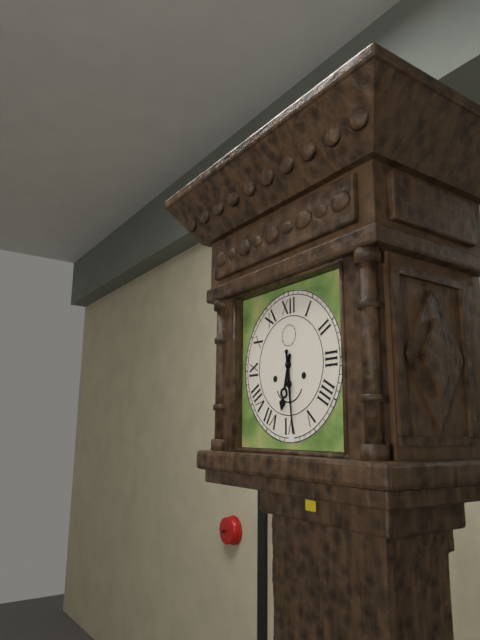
h=6 m=29
